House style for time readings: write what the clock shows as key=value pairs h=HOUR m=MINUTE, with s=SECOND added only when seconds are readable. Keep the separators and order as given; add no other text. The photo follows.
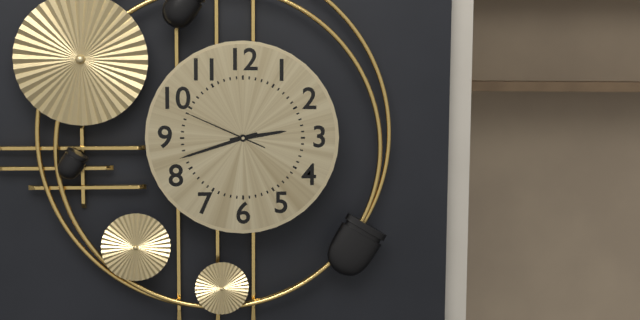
h=2 m=42 s=49
